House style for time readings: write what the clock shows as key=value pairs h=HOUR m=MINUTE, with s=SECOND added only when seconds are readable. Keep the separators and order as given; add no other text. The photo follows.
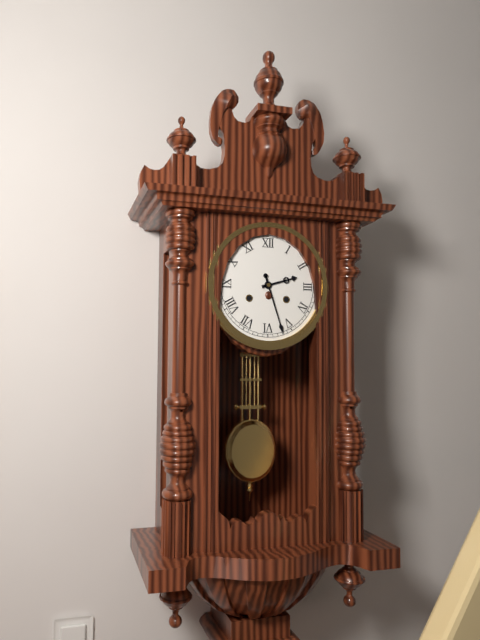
h=2 m=27
